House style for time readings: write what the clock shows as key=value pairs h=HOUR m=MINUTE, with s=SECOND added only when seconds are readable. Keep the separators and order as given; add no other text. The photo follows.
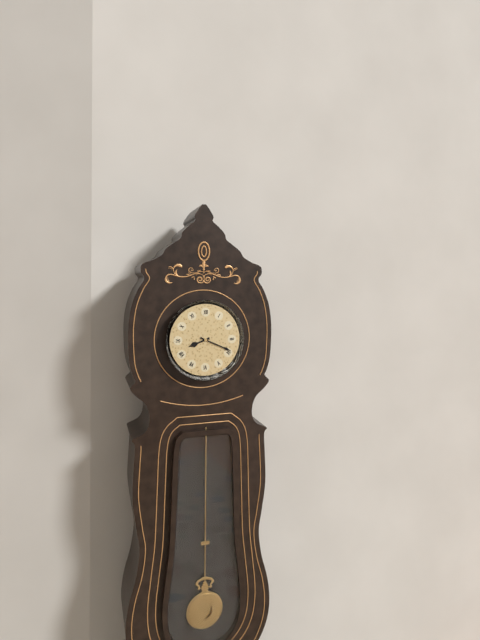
h=8 m=19
